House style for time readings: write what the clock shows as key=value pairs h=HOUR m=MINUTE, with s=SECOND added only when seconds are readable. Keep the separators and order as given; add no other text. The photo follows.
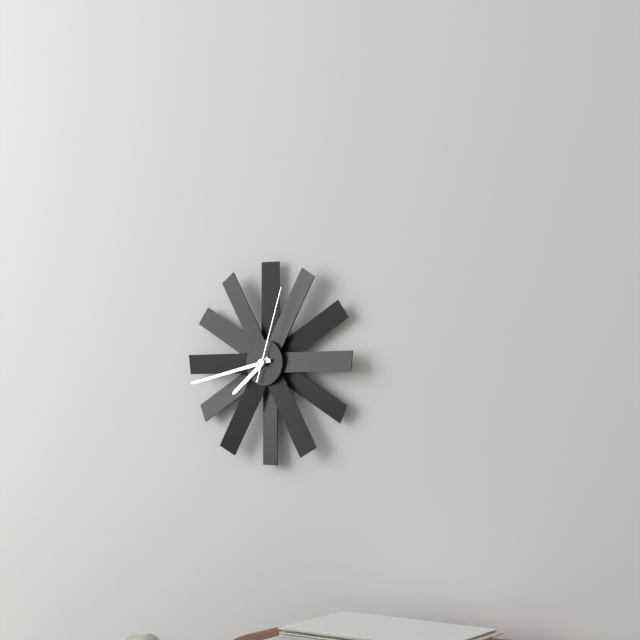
h=7 m=43 s=3
